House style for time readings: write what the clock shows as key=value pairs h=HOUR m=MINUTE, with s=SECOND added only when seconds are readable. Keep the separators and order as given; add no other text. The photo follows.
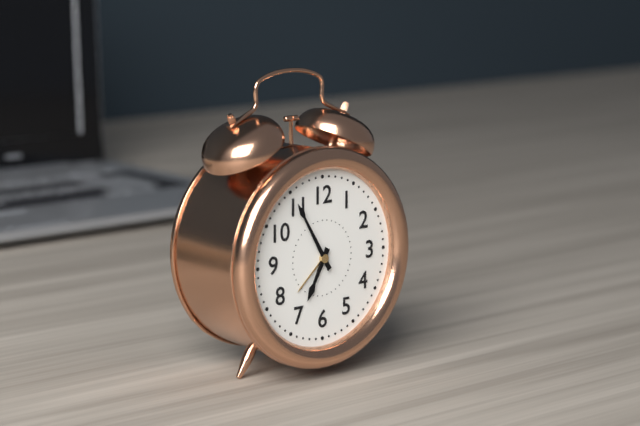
h=6 m=55
